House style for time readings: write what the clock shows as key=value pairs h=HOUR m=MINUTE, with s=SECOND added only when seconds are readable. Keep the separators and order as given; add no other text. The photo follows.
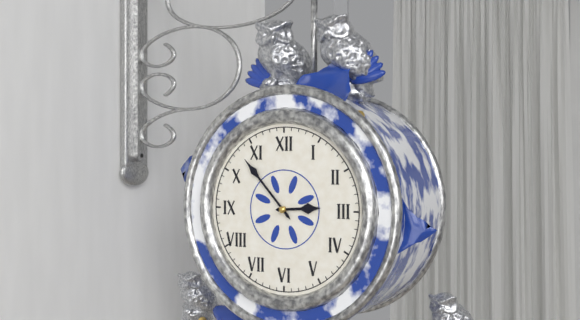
h=2 m=53
